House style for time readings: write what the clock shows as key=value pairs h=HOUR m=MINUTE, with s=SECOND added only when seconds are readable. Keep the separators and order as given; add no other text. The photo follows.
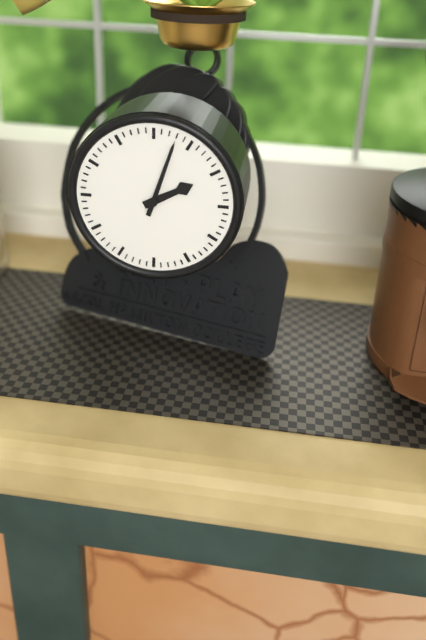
h=2 m=3
